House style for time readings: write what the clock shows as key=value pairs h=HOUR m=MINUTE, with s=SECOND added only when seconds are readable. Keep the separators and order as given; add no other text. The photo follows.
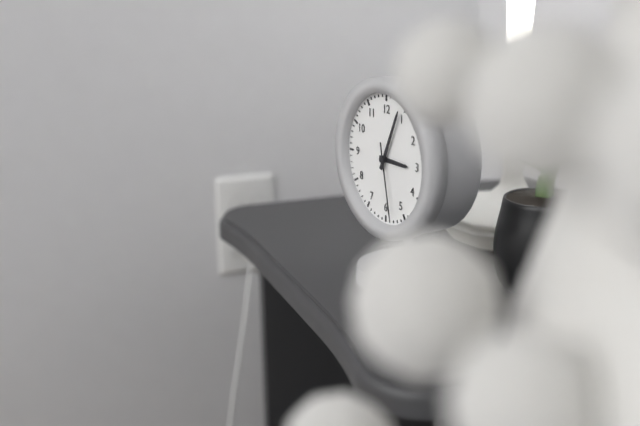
h=3 m=4 s=28
